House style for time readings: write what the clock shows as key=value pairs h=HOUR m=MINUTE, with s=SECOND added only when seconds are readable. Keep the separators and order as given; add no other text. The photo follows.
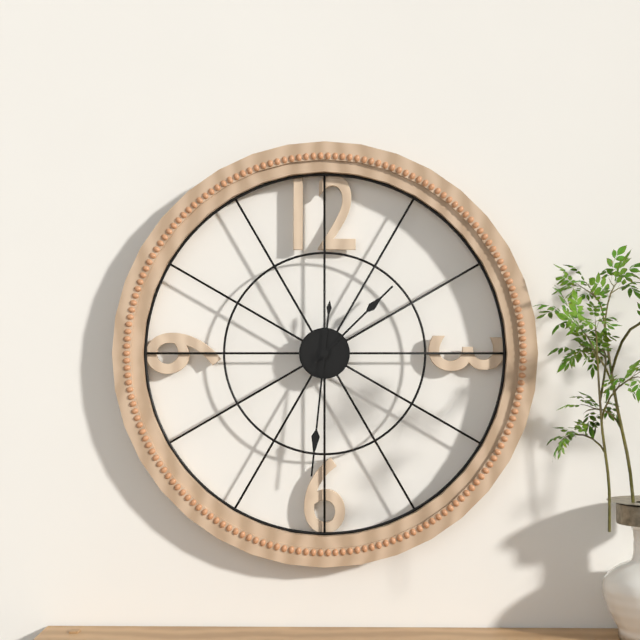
h=1 m=31
